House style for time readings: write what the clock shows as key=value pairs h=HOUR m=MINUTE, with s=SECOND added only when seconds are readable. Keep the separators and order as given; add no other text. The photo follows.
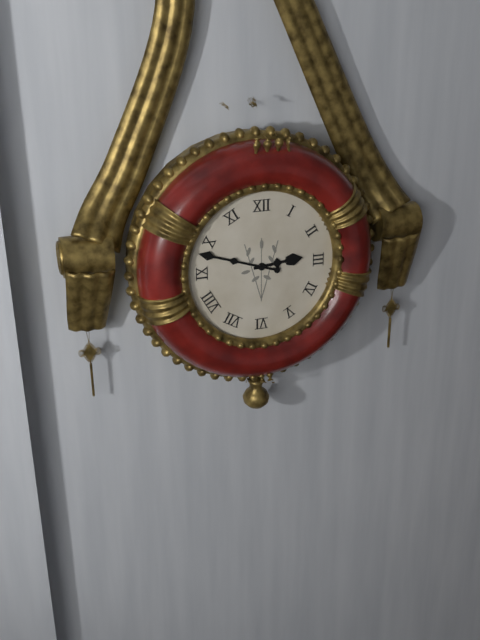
h=2 m=48
